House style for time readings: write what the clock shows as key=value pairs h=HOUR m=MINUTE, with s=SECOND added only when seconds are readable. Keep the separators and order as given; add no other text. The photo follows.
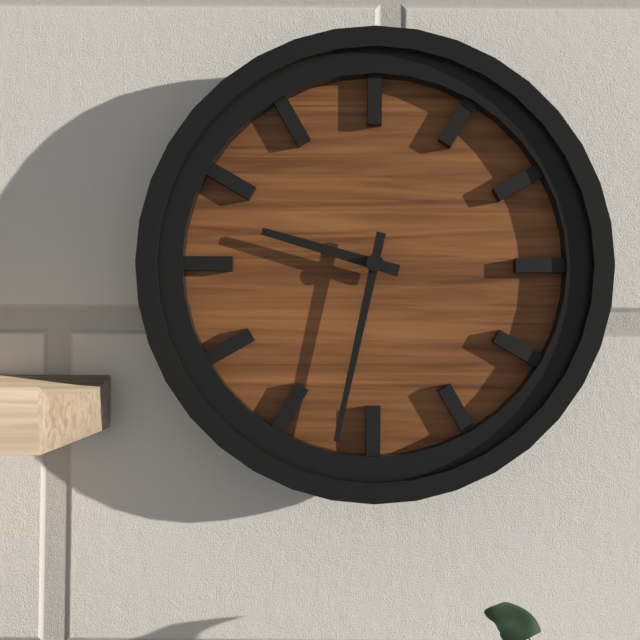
h=9 m=32
